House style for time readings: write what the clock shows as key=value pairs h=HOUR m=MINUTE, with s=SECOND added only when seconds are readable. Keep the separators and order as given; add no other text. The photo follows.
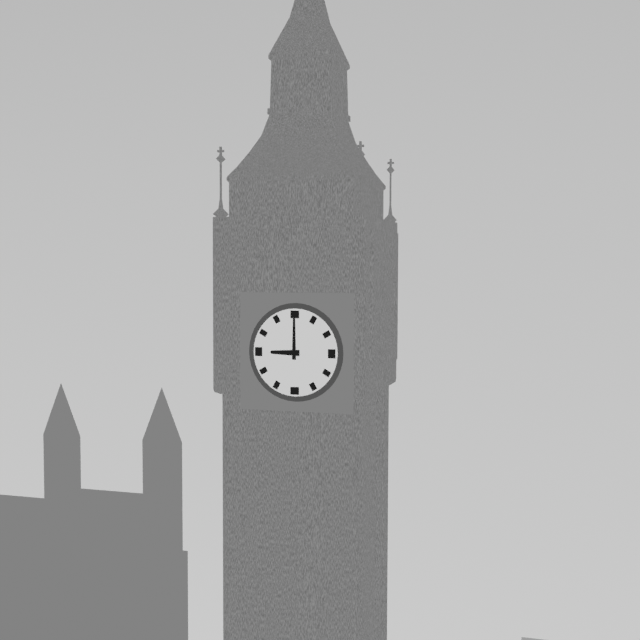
h=9 m=0
